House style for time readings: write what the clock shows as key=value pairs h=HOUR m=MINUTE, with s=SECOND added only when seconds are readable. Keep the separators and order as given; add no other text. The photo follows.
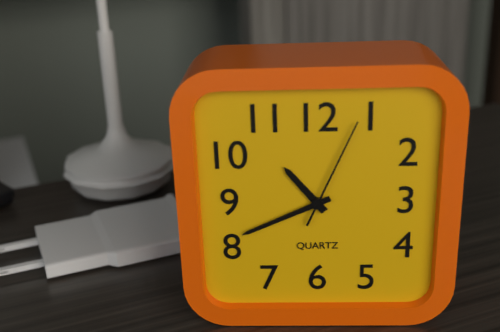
h=10 m=41 s=4
